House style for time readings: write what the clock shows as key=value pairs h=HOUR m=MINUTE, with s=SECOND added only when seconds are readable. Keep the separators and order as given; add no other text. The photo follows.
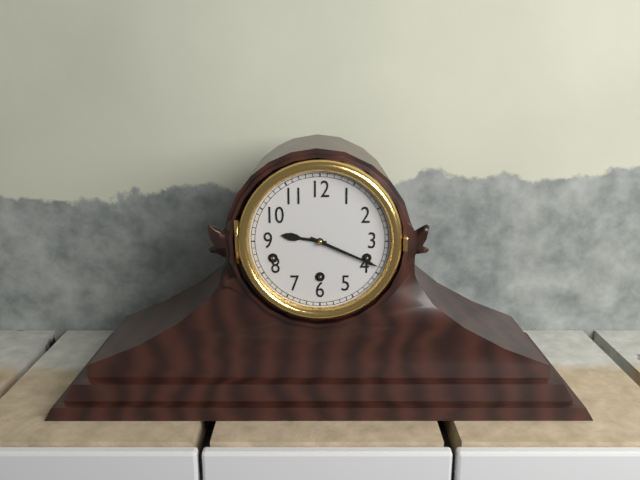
h=9 m=19
